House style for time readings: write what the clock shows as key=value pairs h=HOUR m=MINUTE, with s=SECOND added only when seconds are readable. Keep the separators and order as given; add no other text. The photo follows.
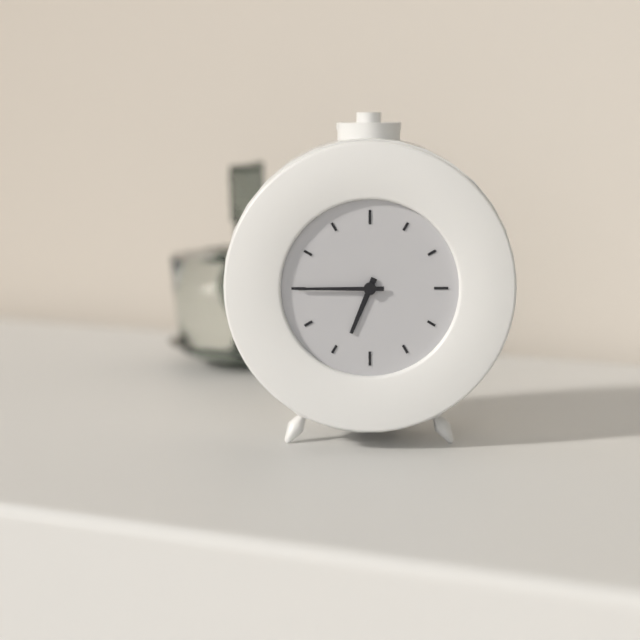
h=6 m=45
